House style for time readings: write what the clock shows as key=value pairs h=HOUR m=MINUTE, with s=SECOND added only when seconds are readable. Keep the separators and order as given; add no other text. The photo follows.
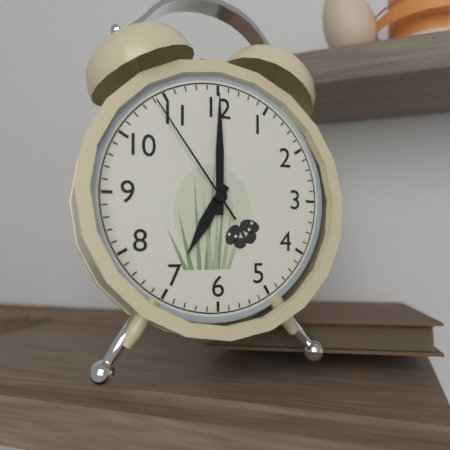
h=7 m=0 s=54
